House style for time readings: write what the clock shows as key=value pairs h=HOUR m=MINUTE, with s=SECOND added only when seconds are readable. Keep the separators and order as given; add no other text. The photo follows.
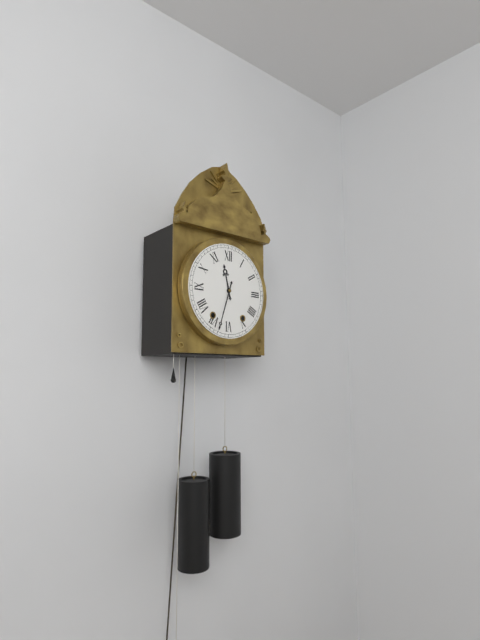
h=11 m=33
